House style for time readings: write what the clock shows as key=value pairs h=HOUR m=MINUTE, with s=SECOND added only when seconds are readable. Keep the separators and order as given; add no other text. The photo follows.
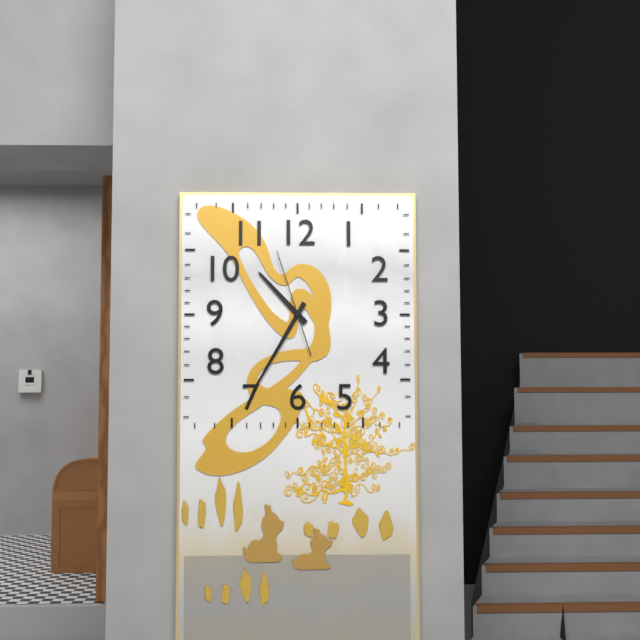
h=10 m=35 s=57
